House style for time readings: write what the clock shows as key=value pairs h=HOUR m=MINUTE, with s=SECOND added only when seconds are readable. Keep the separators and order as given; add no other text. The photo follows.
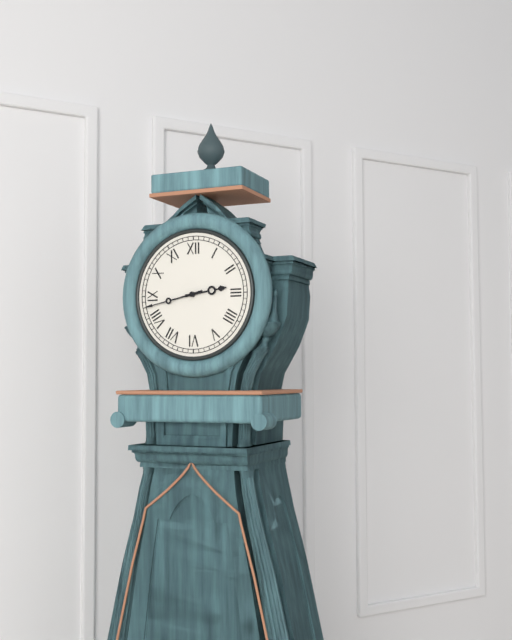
h=2 m=43
